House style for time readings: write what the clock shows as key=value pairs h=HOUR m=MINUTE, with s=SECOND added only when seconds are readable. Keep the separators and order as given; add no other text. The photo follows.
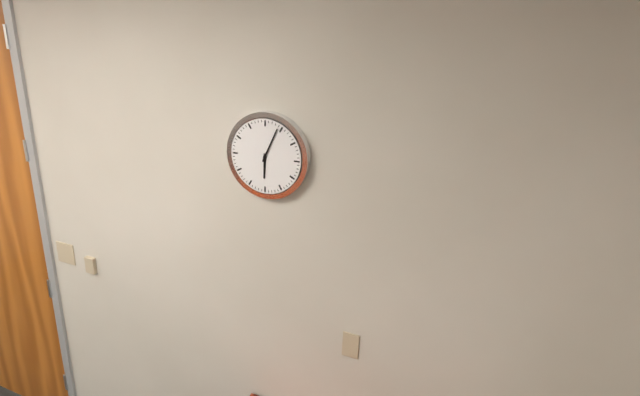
h=6 m=4
